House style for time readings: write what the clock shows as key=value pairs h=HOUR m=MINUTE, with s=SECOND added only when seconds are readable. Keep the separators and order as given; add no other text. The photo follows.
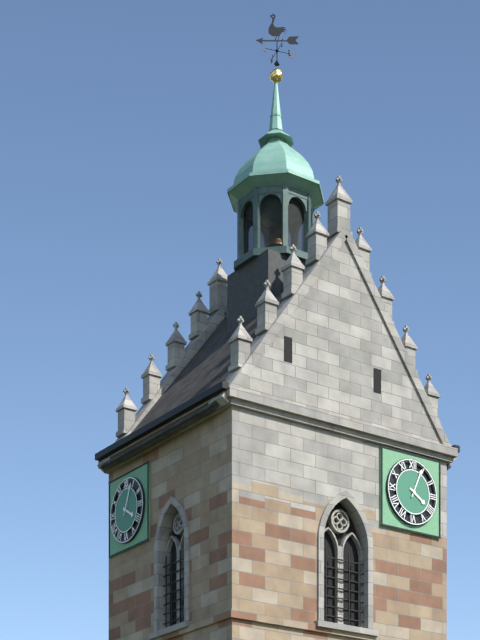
h=4 m=4
